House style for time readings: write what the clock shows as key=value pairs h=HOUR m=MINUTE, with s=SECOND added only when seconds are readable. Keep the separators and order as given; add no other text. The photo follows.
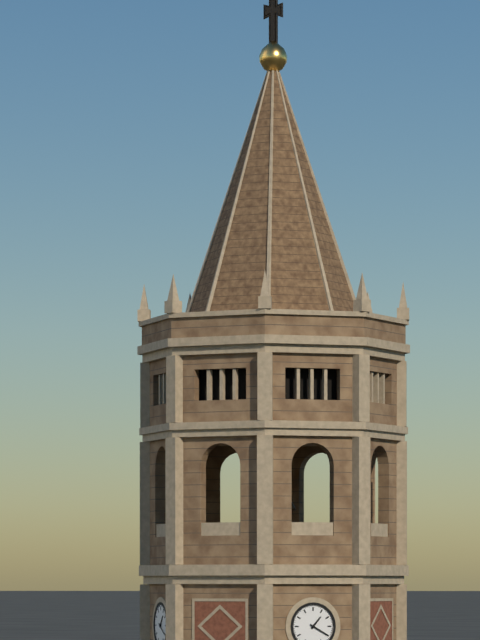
h=1 m=20
